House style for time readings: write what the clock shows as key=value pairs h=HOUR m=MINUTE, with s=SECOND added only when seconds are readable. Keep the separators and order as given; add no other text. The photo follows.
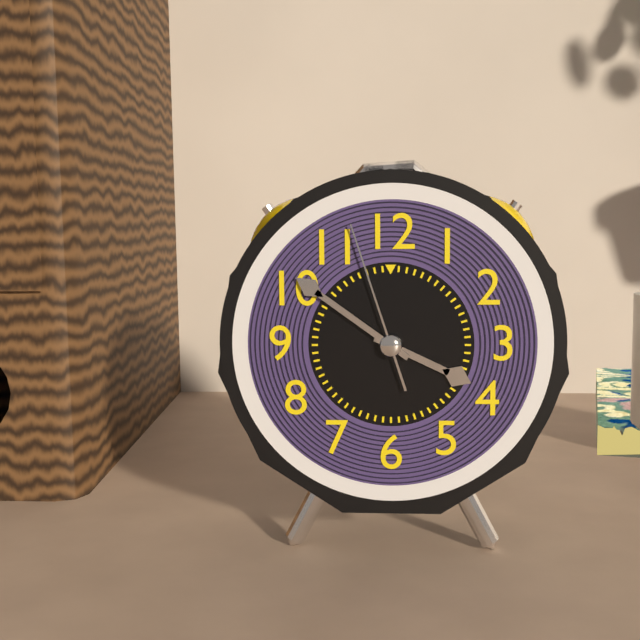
h=3 m=51 s=57
